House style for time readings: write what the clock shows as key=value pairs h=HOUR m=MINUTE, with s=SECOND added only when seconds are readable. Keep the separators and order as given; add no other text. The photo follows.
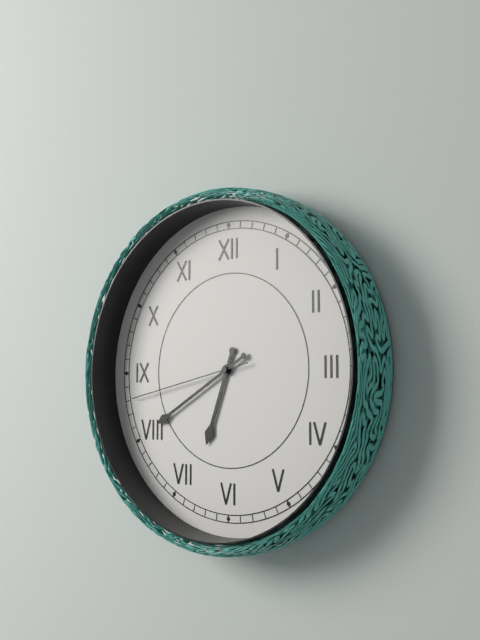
h=6 m=40 s=43
